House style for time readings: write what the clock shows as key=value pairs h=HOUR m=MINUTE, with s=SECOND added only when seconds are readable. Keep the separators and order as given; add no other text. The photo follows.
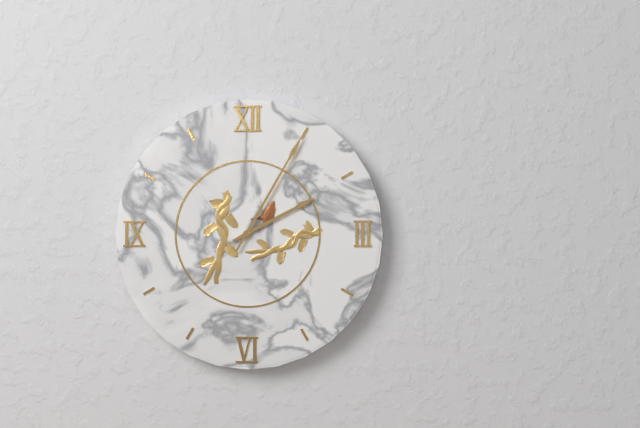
h=2 m=5
